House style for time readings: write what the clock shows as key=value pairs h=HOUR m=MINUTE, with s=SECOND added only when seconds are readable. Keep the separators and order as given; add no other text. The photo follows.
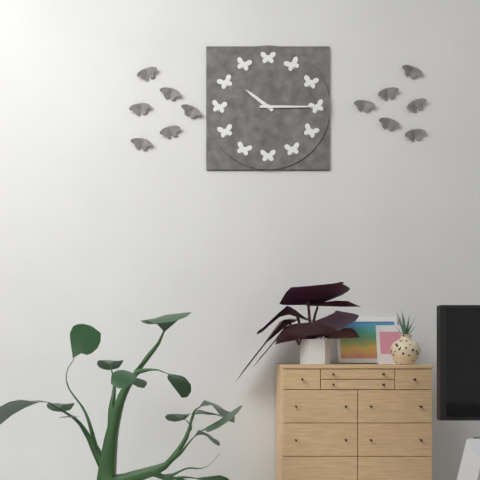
h=10 m=15
